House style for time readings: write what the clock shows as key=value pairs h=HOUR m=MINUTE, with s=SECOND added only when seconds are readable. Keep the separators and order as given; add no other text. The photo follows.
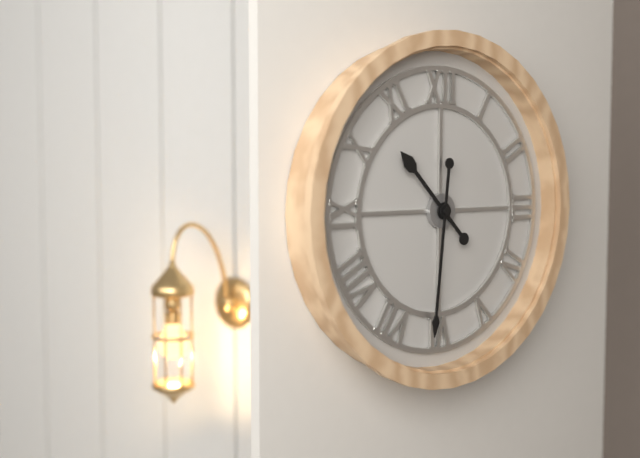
h=10 m=31
